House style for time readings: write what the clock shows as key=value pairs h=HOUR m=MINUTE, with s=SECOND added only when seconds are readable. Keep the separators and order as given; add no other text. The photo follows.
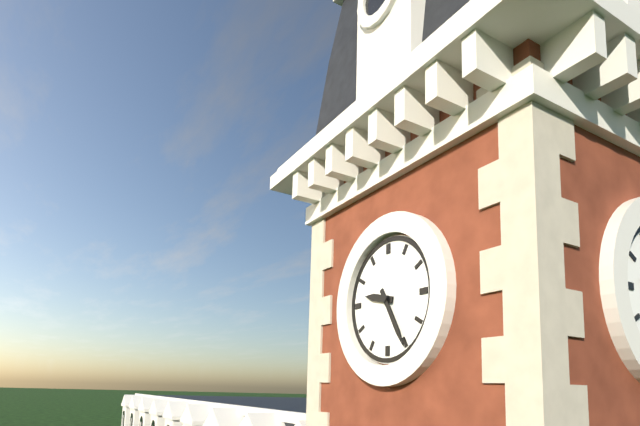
h=9 m=25
